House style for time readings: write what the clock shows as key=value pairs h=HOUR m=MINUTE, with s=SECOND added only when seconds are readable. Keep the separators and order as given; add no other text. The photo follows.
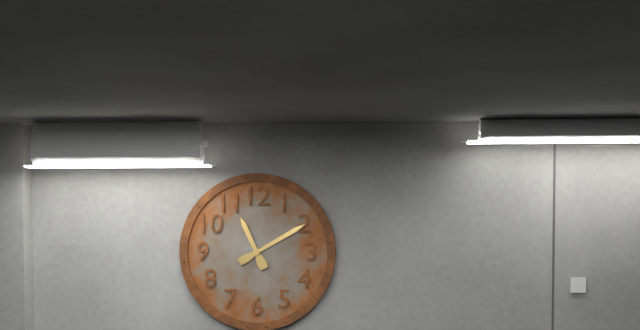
h=11 m=10
